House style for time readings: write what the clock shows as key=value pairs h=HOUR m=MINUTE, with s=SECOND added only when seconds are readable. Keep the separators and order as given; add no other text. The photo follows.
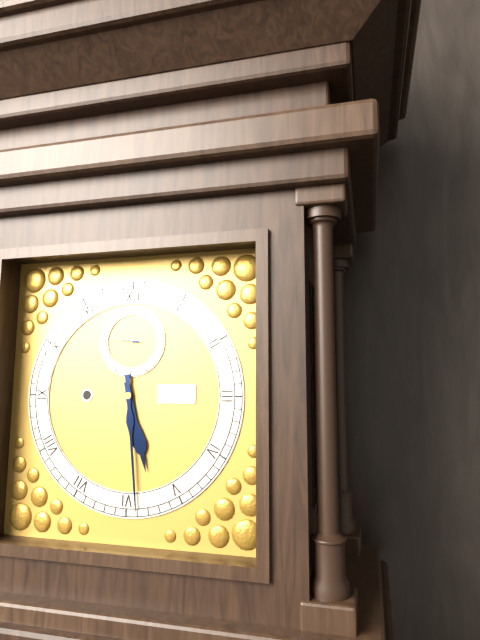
h=5 m=29
